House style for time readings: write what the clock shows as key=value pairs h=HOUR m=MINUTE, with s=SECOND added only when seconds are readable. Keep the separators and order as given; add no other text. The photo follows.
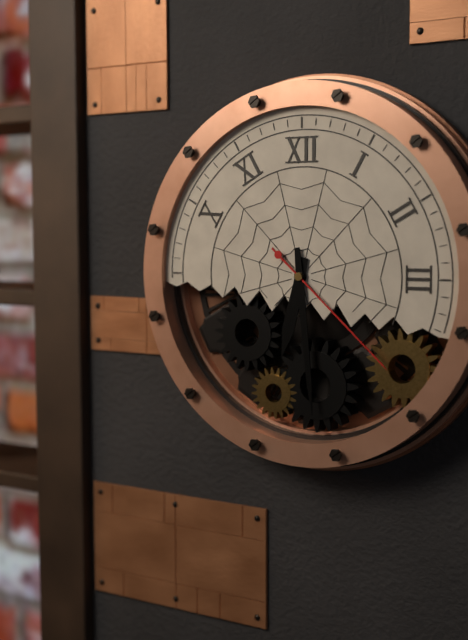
h=6 m=29 s=22
